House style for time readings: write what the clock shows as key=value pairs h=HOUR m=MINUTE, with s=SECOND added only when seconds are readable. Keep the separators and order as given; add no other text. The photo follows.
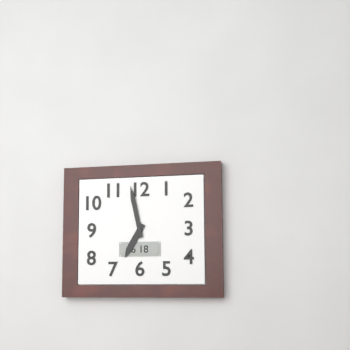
h=6 m=58
